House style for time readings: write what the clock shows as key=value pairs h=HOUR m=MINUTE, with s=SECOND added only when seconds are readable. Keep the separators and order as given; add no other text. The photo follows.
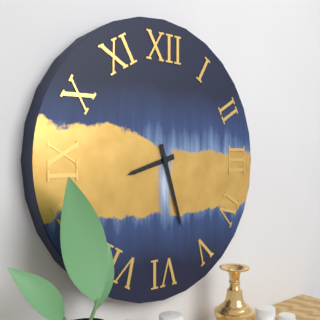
h=8 m=27
